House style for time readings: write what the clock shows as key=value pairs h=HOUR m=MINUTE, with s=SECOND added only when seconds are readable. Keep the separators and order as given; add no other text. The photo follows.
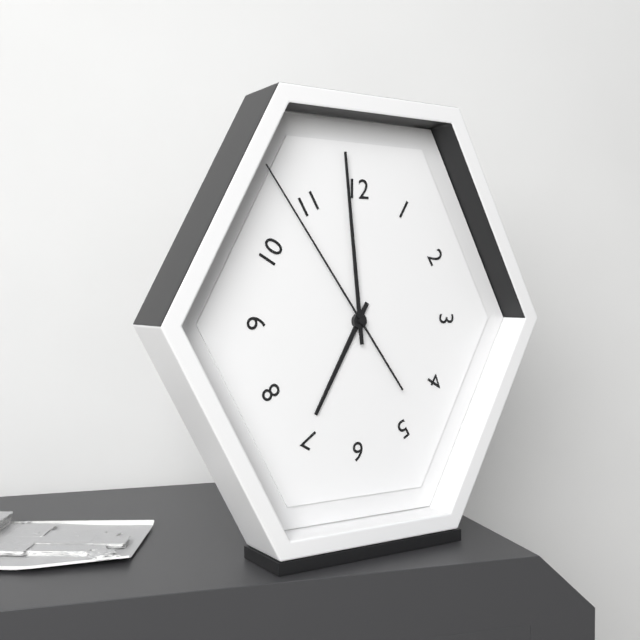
h=6 m=59 s=54
